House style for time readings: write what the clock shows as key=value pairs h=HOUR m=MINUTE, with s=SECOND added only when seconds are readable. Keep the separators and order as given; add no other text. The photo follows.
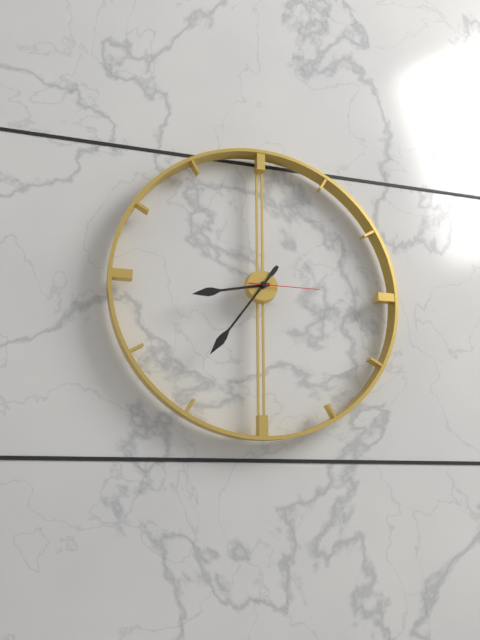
h=8 m=36 s=15
